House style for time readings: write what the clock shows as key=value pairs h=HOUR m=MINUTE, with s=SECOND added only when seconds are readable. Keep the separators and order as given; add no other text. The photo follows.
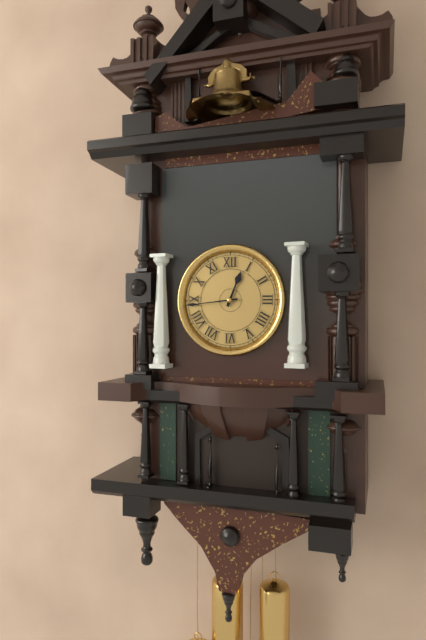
h=12 m=44
